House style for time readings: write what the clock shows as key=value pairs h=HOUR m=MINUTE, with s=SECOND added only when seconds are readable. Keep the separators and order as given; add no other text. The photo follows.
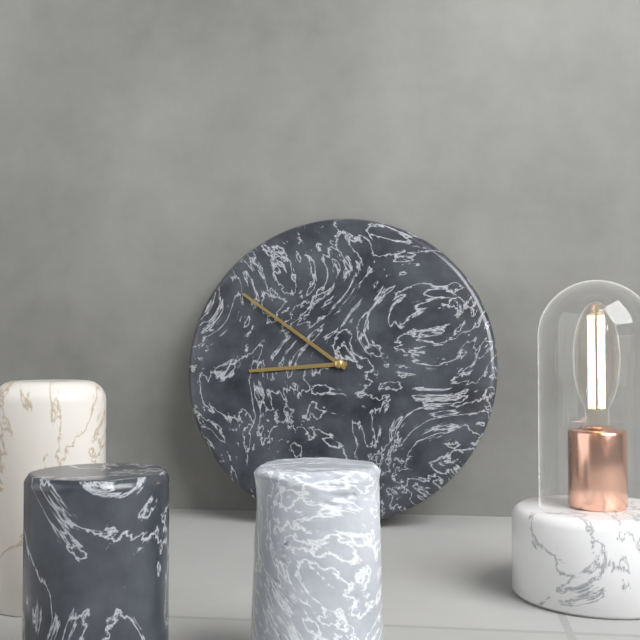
h=8 m=51
